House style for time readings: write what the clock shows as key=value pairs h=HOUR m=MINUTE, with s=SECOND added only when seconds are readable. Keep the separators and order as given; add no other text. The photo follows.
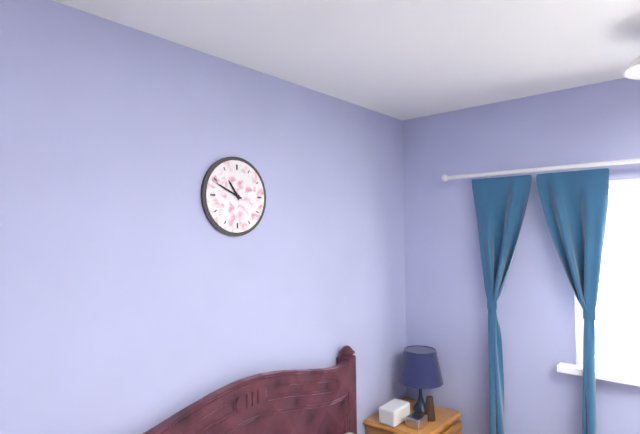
h=10 m=49
